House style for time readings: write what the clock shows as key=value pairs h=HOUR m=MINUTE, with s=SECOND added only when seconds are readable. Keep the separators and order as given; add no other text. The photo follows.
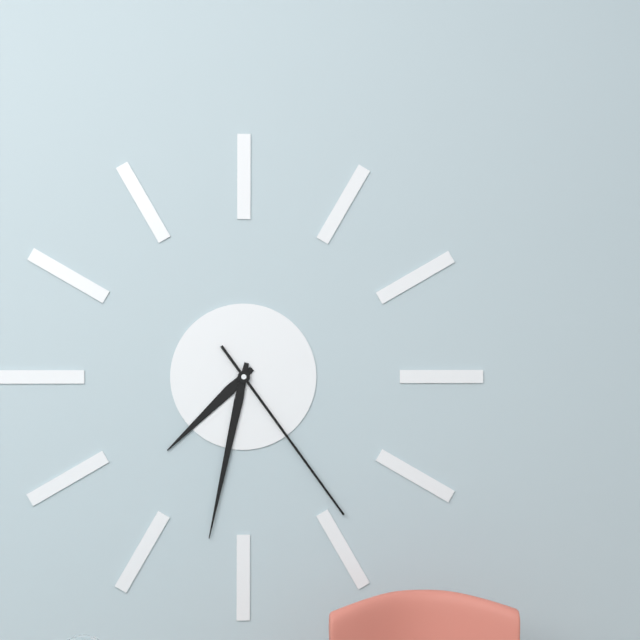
h=7 m=32 s=24
